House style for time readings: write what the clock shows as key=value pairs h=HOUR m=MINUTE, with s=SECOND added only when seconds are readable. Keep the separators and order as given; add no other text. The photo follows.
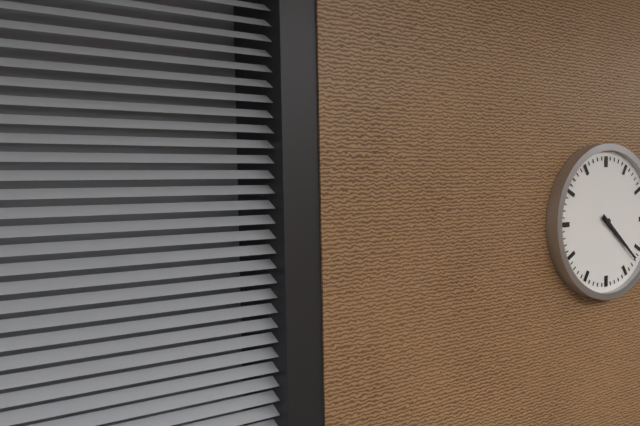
h=4 m=22
